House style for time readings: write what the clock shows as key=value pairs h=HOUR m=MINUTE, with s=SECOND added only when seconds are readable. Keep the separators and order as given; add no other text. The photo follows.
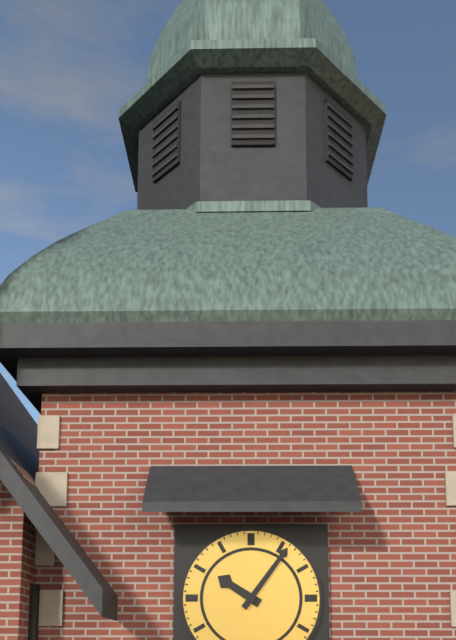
h=10 m=6
